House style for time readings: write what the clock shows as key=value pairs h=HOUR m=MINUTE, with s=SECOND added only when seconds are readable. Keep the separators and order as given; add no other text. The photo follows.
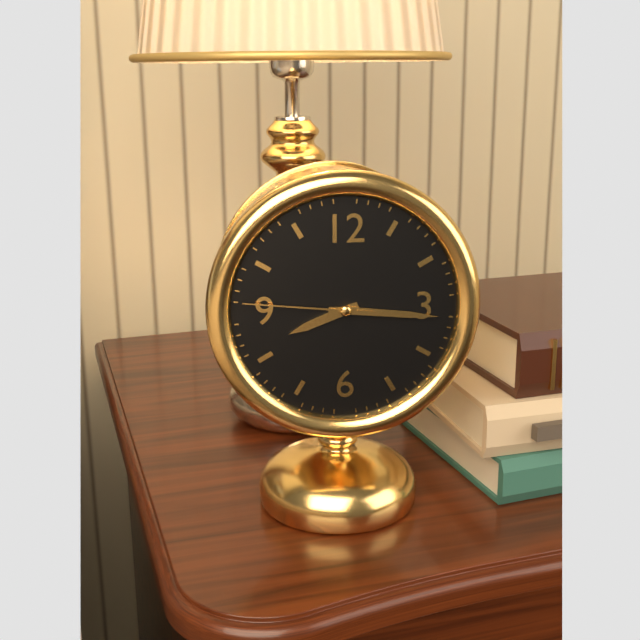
h=8 m=16 s=46
